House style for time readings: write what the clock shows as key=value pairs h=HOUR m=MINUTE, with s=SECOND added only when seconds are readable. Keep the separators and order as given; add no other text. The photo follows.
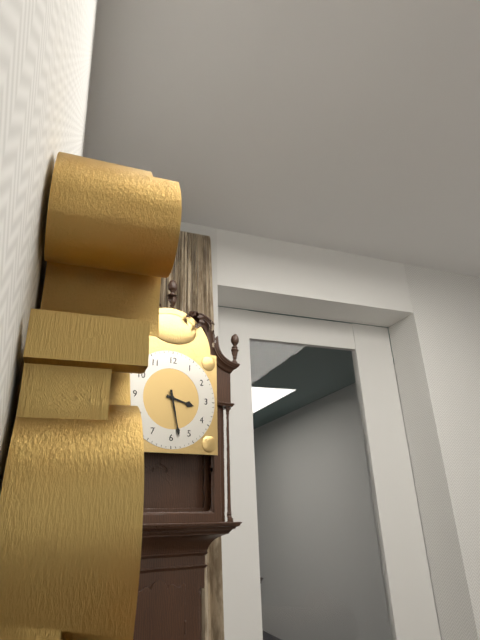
h=3 m=28
